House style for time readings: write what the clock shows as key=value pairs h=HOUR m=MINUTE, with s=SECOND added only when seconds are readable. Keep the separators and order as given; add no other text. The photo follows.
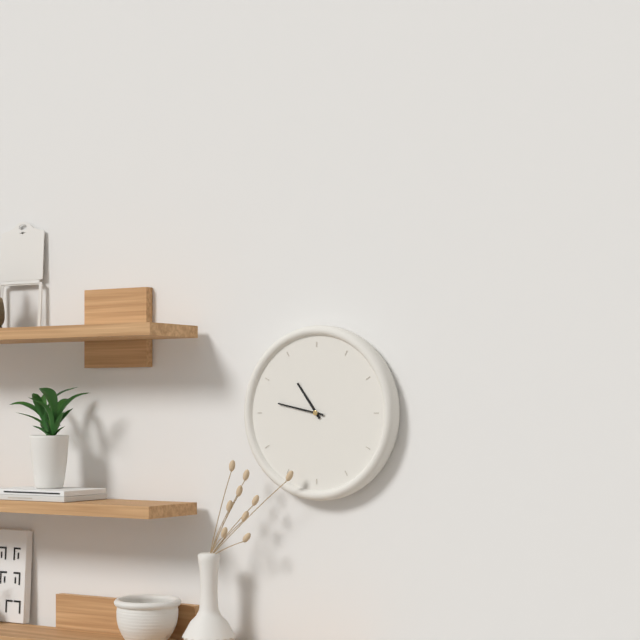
h=10 m=47
